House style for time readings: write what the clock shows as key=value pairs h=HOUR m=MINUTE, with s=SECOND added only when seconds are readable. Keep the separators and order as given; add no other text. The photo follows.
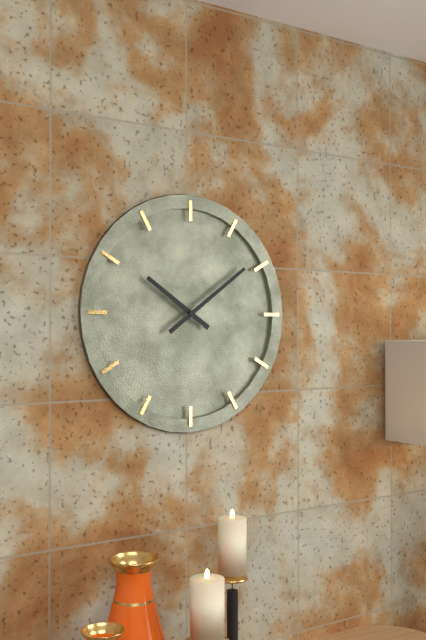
h=10 m=9
